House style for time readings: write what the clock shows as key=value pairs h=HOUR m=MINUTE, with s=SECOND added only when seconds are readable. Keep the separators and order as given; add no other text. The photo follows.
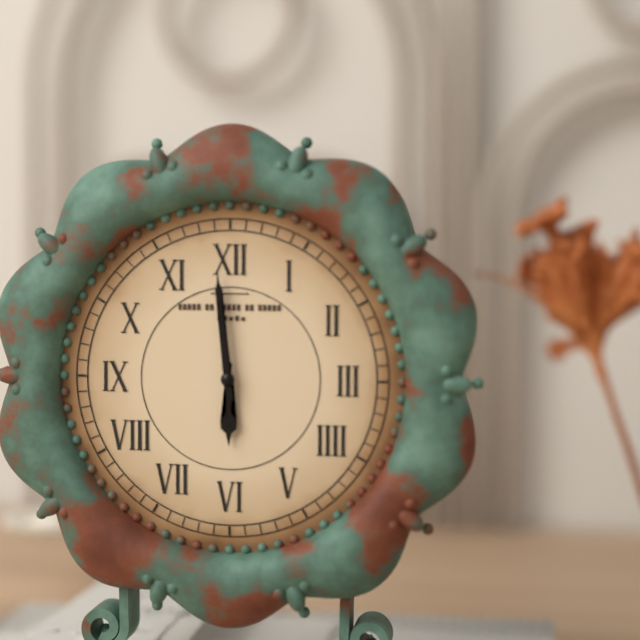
h=5 m=59
